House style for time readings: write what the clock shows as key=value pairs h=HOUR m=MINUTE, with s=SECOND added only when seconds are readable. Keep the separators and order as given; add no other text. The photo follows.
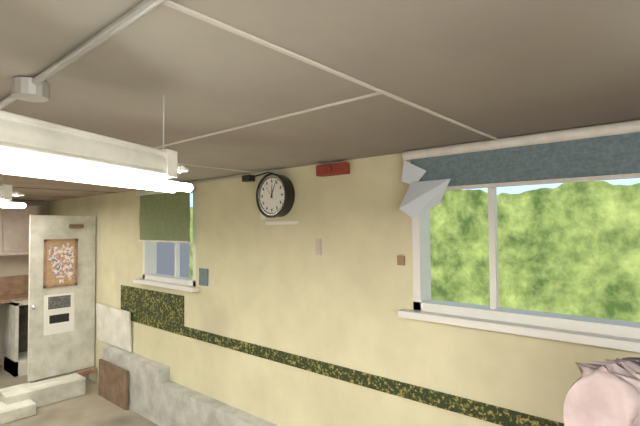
h=12 m=4
